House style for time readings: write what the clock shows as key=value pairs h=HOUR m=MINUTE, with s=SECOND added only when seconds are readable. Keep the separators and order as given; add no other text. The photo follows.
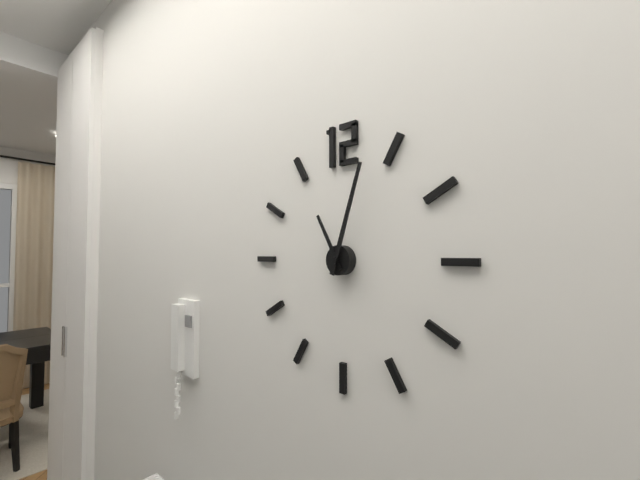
h=11 m=3
